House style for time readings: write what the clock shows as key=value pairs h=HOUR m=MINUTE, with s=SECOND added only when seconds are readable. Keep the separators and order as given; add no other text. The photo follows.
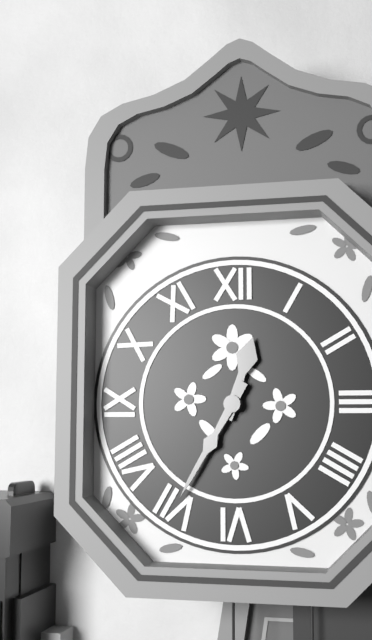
h=12 m=35
